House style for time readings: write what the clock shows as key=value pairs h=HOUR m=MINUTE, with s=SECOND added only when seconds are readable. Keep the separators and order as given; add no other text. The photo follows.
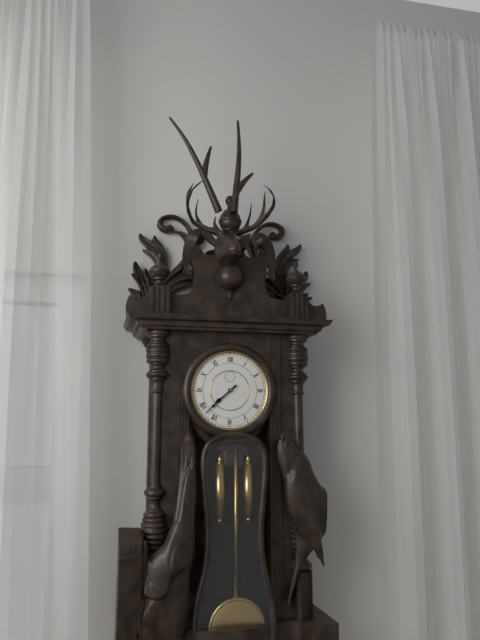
h=7 m=38
